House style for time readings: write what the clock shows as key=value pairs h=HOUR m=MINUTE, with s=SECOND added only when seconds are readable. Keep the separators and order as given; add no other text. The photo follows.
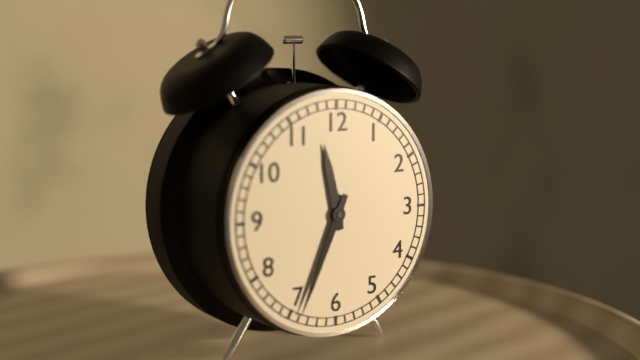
h=11 m=34
